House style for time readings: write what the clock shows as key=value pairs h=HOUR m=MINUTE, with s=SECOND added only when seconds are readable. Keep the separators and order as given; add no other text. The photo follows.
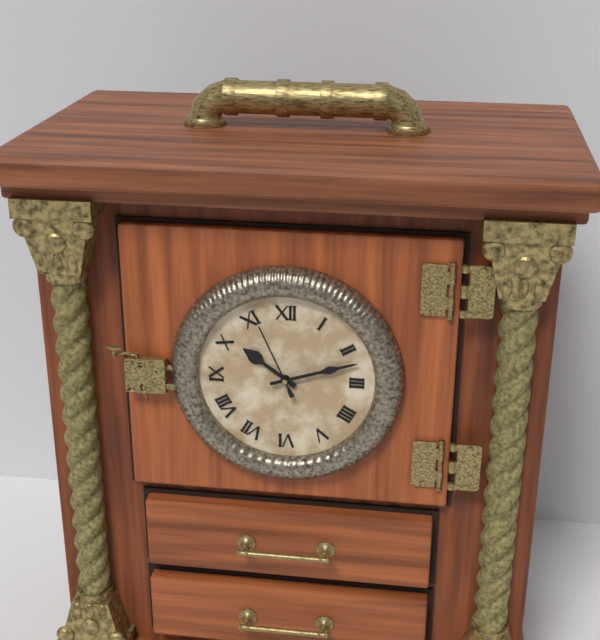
h=10 m=12 s=56
